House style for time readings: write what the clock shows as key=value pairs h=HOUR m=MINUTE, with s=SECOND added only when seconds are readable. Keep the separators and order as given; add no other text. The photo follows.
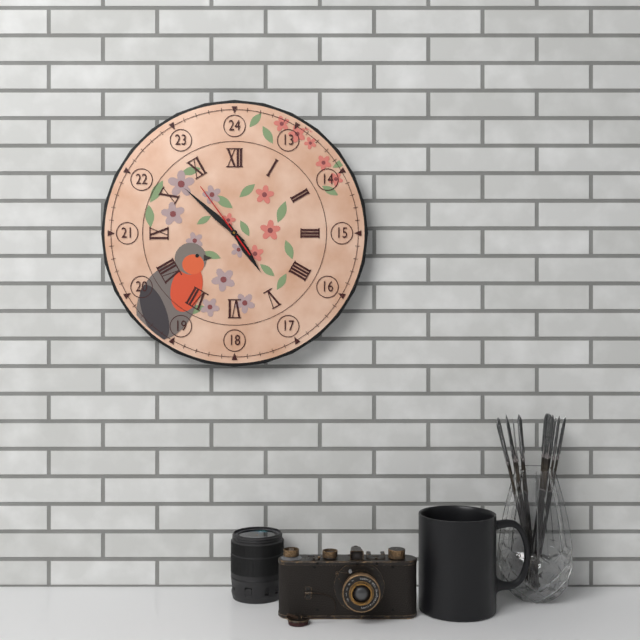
h=4 m=52 s=54
